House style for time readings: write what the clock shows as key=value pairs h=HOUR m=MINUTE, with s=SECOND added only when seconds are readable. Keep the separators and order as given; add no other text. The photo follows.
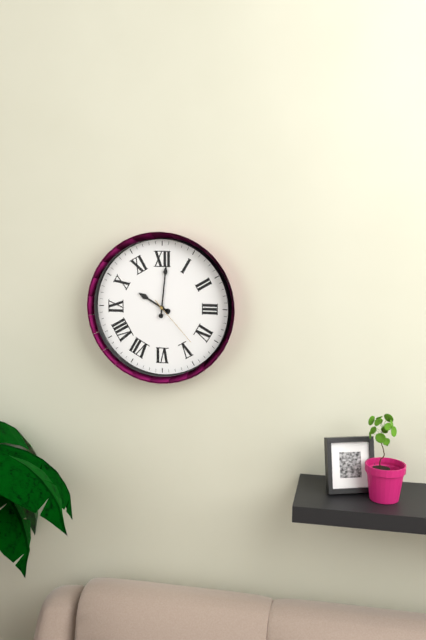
h=10 m=1 s=23
